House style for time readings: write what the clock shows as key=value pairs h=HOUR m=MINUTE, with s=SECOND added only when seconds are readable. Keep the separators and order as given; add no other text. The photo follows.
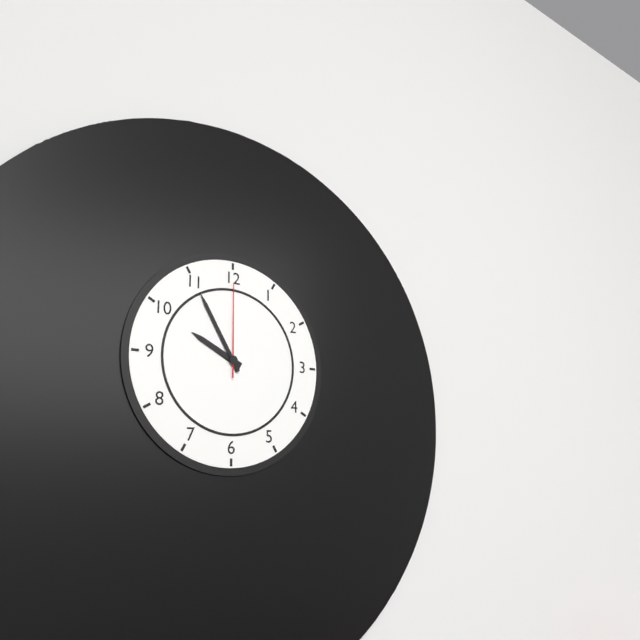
h=9 m=55 s=0
